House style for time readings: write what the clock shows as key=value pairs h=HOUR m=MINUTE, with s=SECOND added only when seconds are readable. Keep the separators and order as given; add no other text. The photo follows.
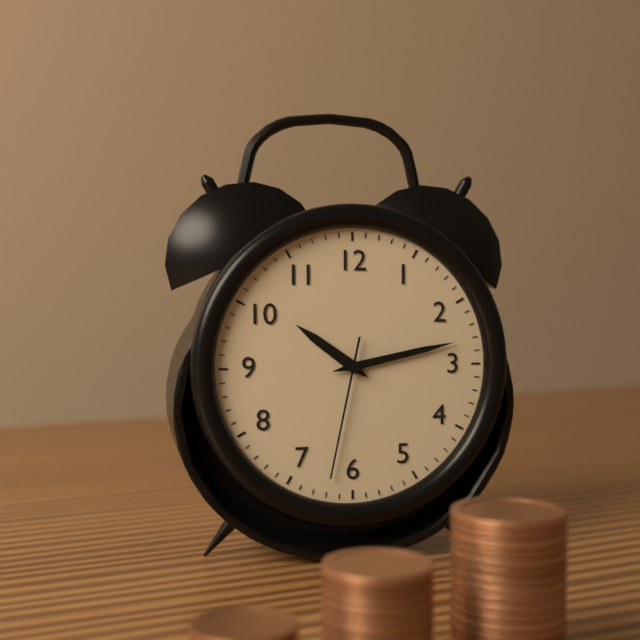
h=10 m=13 s=32
